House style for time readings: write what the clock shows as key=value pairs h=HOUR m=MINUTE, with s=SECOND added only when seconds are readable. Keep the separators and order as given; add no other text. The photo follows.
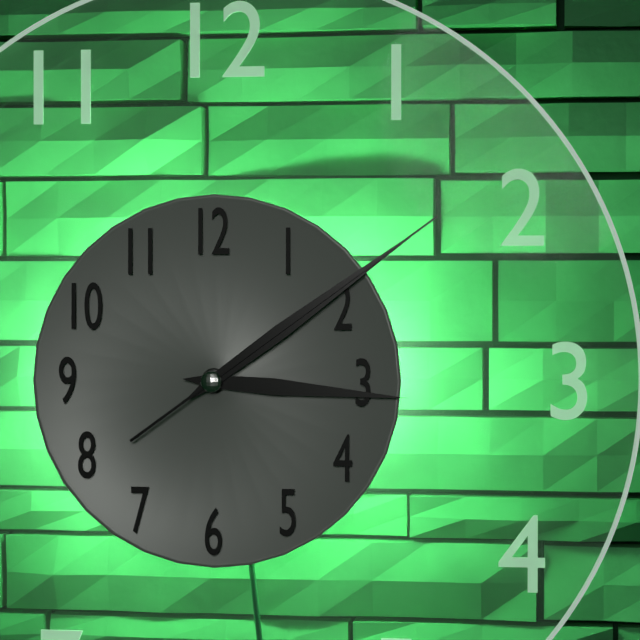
h=3 m=9 s=9
